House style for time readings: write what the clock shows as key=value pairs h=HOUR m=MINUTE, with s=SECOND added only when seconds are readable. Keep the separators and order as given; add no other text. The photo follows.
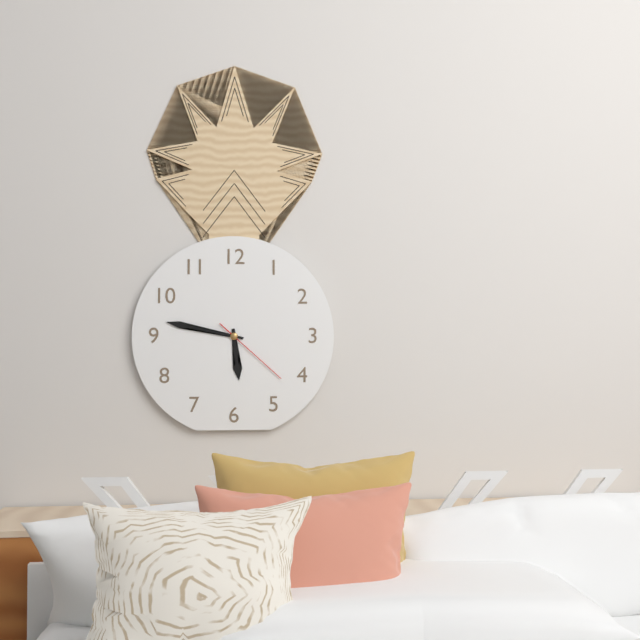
h=5 m=47 s=22
